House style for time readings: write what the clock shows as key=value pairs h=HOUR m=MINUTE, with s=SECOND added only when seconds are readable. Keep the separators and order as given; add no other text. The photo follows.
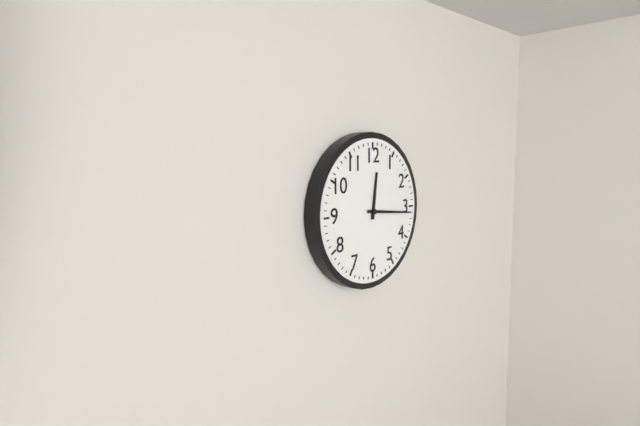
h=12 m=16
